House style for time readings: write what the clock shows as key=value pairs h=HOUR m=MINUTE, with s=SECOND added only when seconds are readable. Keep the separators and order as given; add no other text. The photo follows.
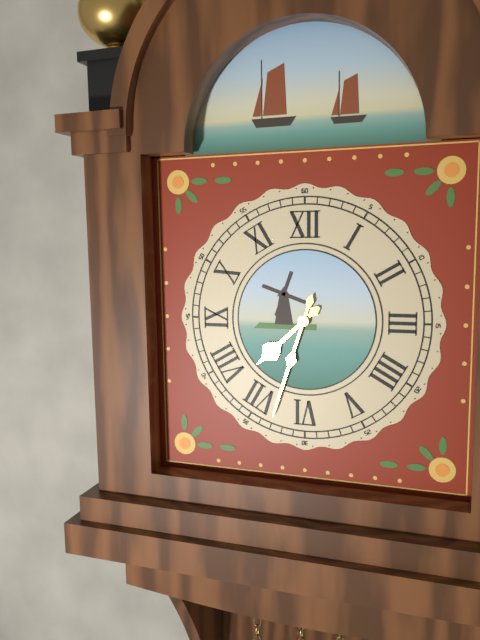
h=7 m=33
